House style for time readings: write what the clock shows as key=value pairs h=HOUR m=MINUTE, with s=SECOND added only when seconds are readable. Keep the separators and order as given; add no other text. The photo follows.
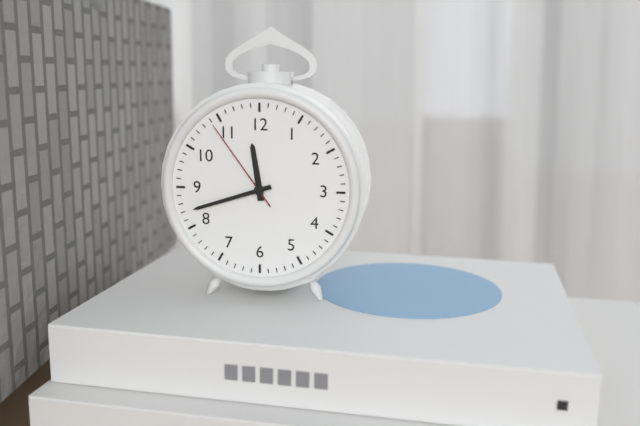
h=11 m=42 s=54
